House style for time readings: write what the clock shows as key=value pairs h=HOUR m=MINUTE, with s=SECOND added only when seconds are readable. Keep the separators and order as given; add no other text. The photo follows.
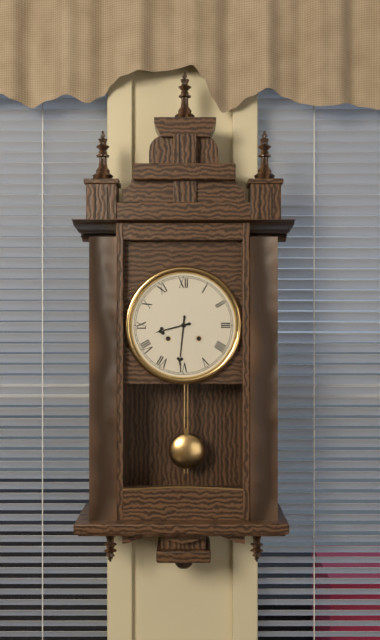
h=8 m=31
